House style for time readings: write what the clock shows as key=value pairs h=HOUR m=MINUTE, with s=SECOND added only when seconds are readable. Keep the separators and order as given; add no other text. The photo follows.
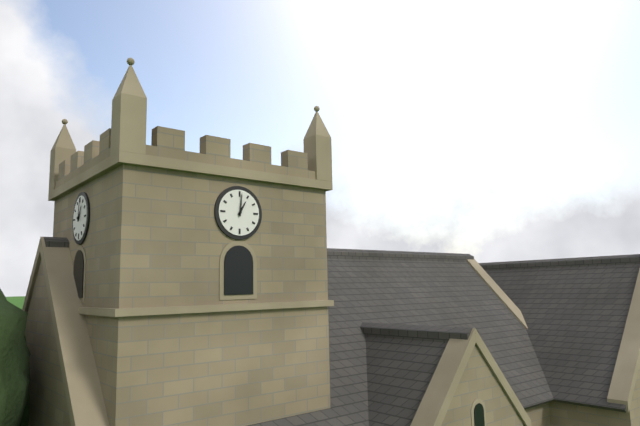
h=1 m=1
